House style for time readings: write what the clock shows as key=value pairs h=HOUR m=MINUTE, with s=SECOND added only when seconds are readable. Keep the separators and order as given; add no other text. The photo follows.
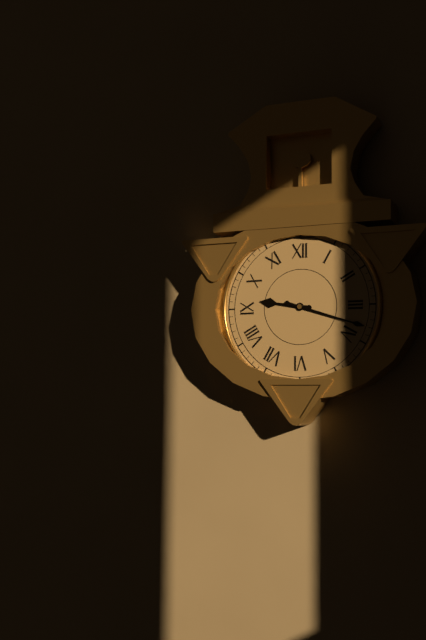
h=9 m=18
